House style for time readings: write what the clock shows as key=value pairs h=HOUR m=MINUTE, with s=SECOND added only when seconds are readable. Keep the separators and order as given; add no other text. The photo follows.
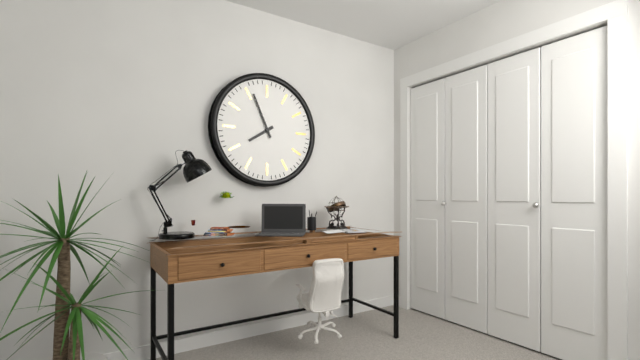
h=7 m=56
